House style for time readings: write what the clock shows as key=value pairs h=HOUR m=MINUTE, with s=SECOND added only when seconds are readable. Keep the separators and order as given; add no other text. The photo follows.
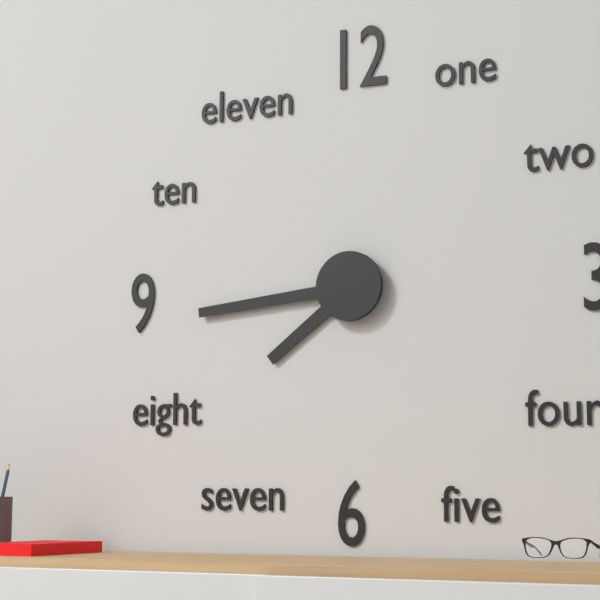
h=7 m=44
